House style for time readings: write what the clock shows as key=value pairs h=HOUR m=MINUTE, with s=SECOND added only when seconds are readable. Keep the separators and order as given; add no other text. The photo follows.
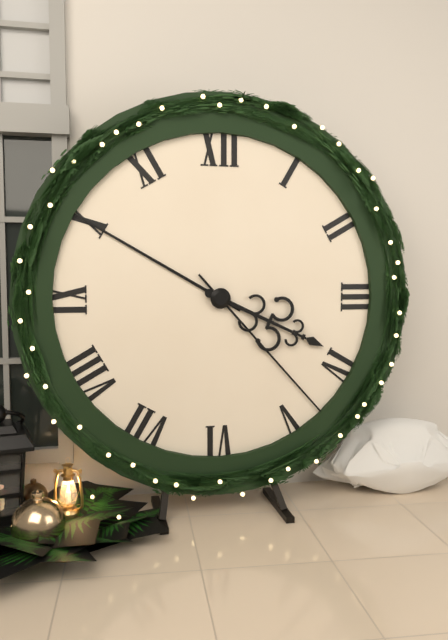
h=3 m=50 s=23
